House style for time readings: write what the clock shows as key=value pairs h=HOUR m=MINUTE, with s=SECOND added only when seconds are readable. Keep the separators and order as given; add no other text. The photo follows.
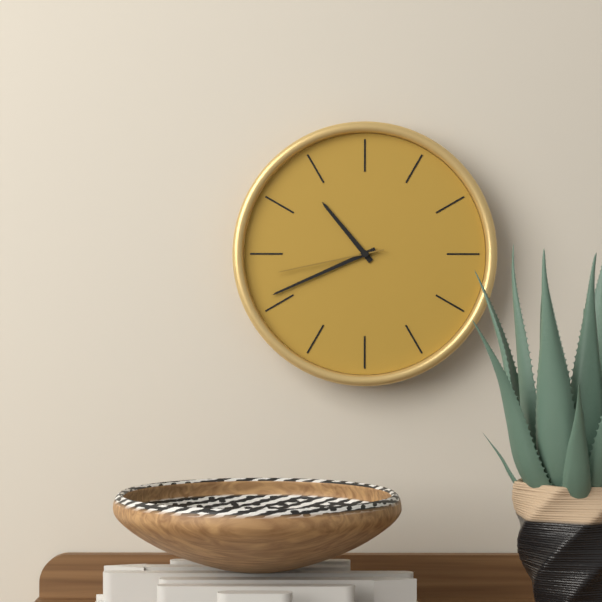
h=10 m=41 s=43
